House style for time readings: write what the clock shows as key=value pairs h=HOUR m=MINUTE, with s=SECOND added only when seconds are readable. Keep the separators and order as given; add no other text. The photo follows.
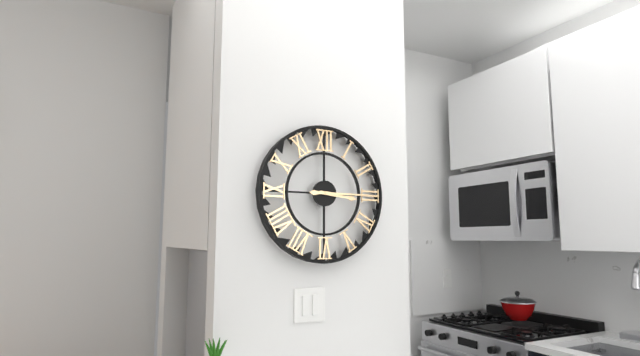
h=3 m=15
